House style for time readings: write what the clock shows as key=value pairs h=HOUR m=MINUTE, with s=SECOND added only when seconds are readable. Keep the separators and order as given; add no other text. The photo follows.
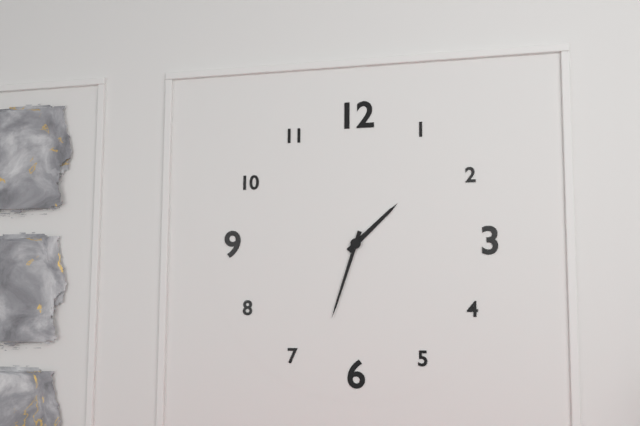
h=1 m=33
